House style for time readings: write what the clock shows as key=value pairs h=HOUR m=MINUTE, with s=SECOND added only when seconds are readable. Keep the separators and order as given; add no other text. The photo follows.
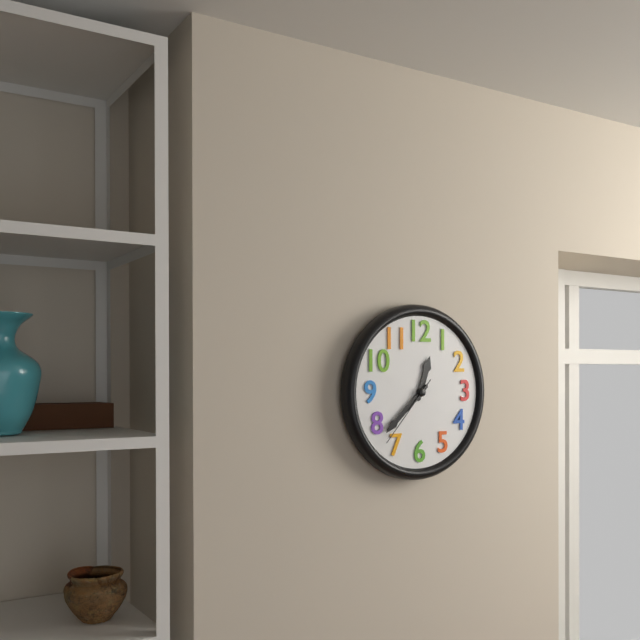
h=12 m=38 s=37
